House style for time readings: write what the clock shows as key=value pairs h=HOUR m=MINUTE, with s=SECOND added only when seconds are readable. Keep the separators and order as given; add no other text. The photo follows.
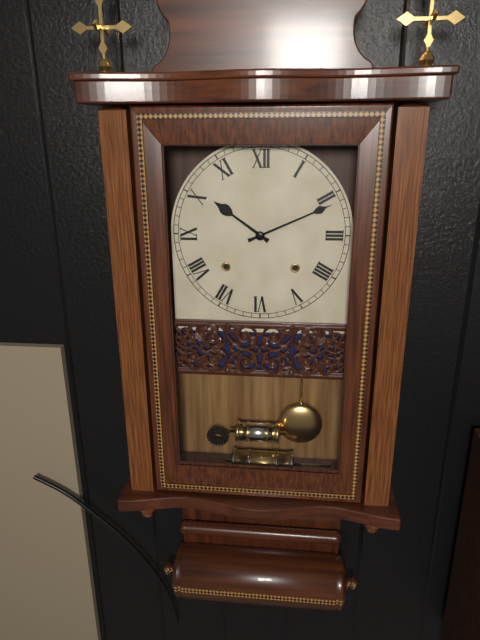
h=10 m=11
